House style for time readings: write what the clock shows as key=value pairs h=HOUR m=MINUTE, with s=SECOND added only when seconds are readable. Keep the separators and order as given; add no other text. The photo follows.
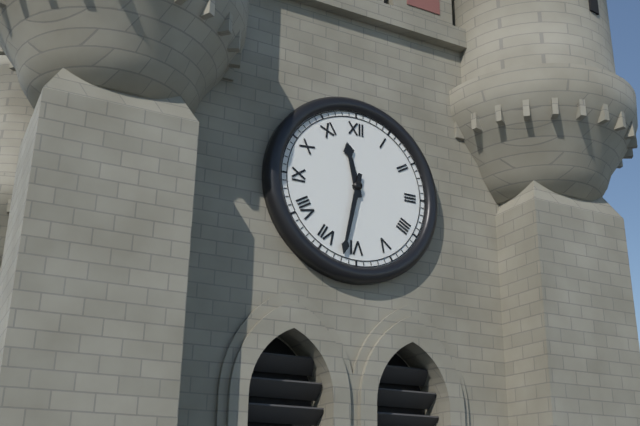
h=11 m=32
